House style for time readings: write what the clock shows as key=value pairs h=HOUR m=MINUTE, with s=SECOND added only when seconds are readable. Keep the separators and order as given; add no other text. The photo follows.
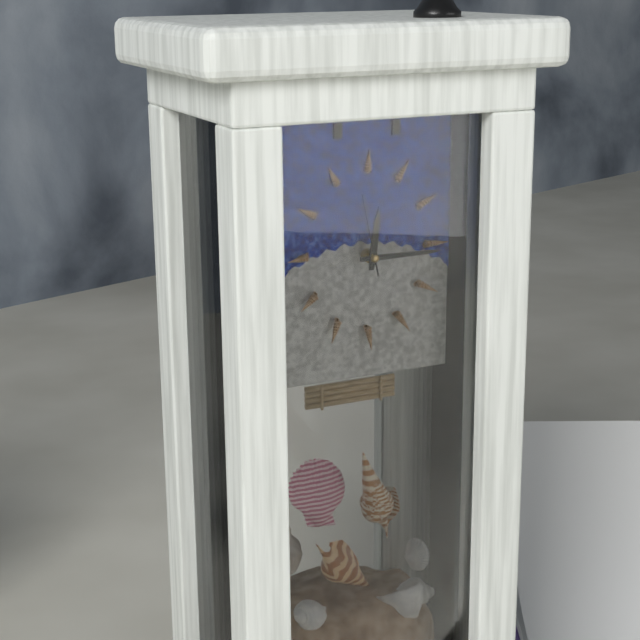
h=12 m=15 s=58
